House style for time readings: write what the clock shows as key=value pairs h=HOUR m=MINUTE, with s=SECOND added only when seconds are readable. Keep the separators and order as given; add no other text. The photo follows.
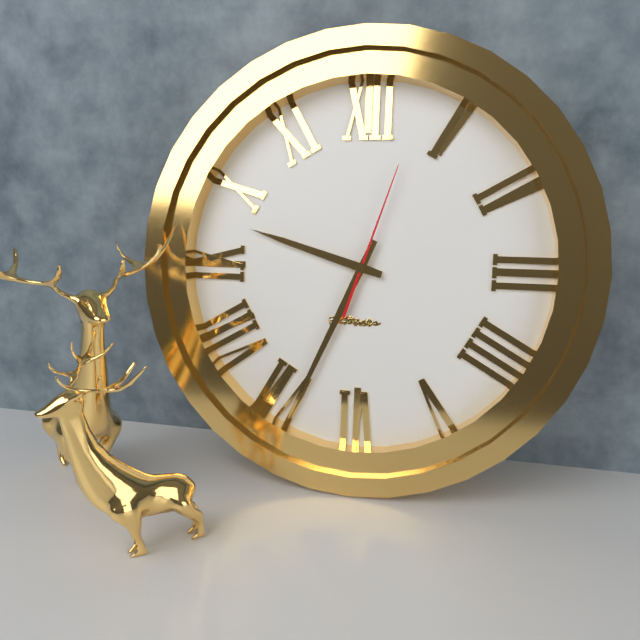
h=9 m=34 s=3
